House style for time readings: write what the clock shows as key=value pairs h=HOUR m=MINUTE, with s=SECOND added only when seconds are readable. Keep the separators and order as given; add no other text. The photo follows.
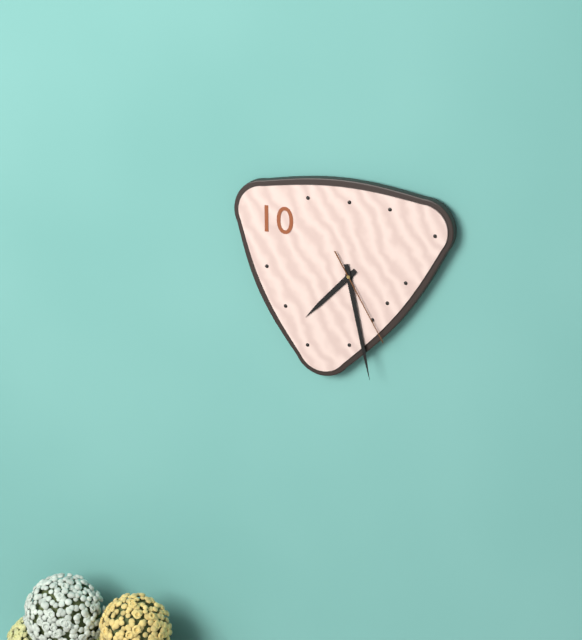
h=7 m=28 s=25
